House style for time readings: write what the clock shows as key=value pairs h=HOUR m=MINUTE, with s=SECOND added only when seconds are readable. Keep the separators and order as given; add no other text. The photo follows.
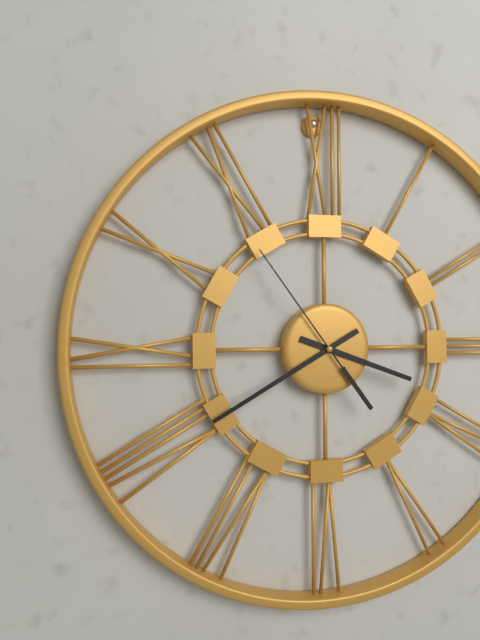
h=3 m=40 s=54
